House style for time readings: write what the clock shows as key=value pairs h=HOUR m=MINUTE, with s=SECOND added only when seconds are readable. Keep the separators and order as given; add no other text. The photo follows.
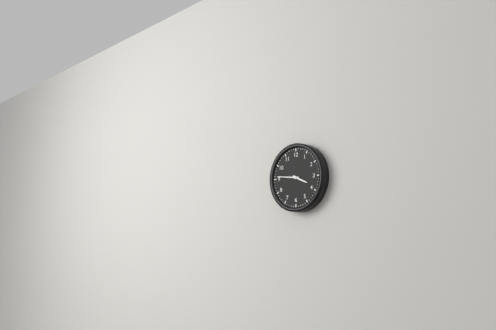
h=3 m=46
